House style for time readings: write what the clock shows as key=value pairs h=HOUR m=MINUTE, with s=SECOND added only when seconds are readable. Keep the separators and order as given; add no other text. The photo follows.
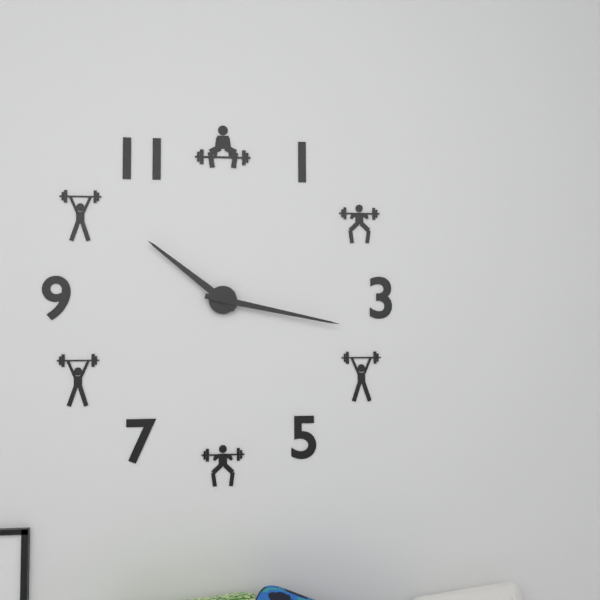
h=10 m=17
